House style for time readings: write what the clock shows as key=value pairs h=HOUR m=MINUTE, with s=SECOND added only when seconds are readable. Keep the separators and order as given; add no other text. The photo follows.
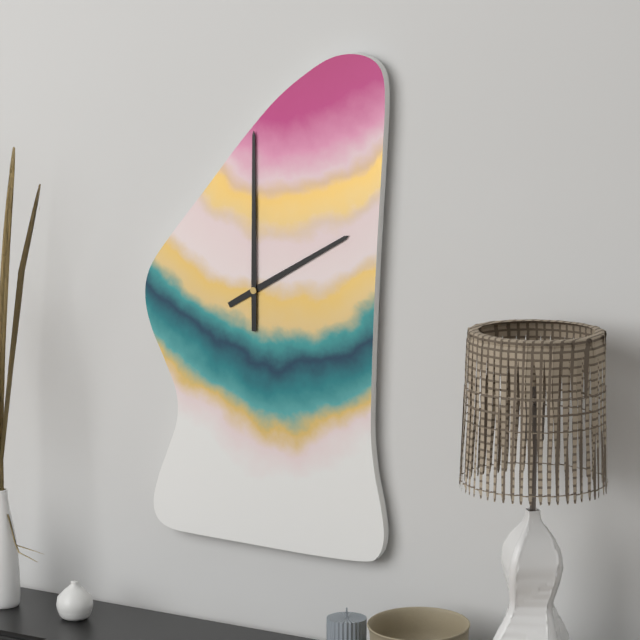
h=2 m=0
